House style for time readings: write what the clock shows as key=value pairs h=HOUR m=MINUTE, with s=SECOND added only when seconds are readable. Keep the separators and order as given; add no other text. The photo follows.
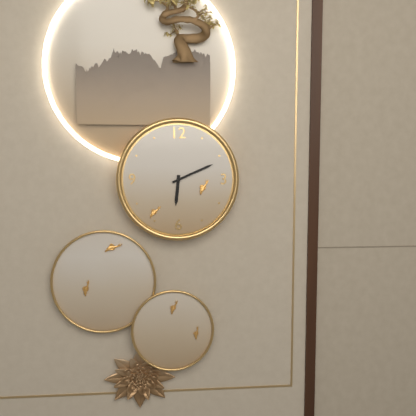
h=6 m=11
